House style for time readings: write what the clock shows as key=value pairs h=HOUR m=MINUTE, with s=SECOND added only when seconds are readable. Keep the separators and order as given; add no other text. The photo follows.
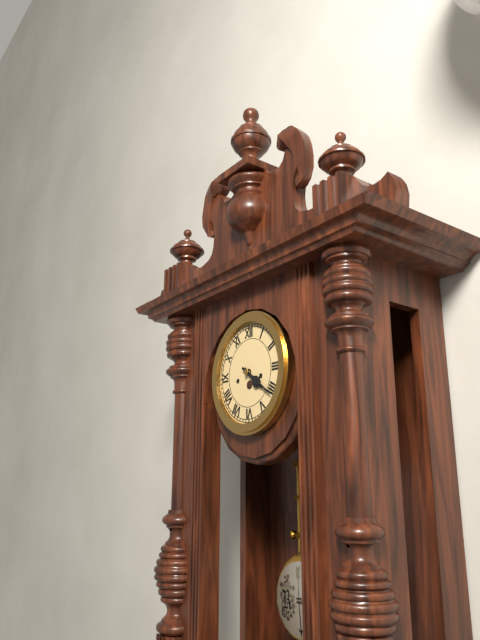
h=4 m=21
